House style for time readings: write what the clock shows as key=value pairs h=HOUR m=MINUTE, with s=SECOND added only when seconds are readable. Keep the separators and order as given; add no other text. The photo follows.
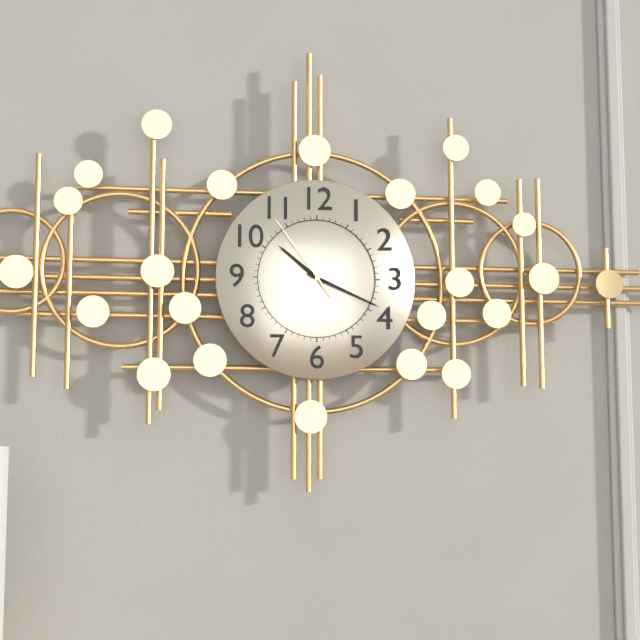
h=10 m=19 s=54
